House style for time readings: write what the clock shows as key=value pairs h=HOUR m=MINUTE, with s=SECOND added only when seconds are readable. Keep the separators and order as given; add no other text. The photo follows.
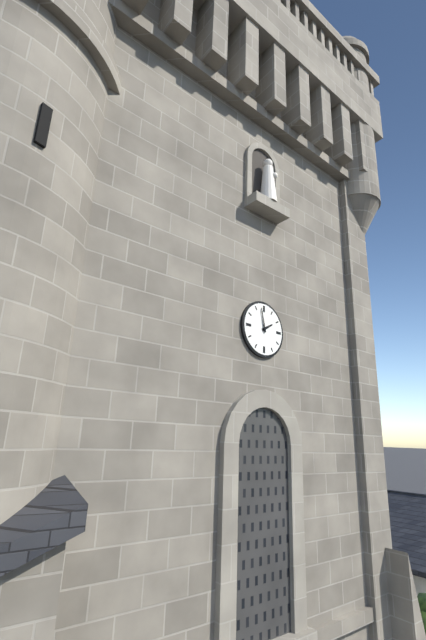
h=1 m=58
